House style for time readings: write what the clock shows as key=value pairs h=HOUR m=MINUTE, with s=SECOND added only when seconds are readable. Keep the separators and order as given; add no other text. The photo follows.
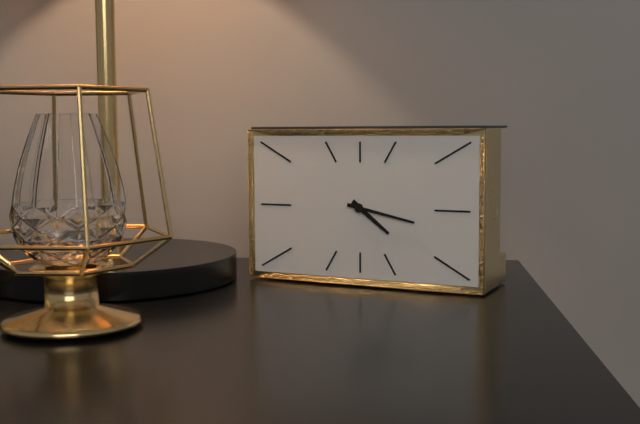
h=4 m=17
